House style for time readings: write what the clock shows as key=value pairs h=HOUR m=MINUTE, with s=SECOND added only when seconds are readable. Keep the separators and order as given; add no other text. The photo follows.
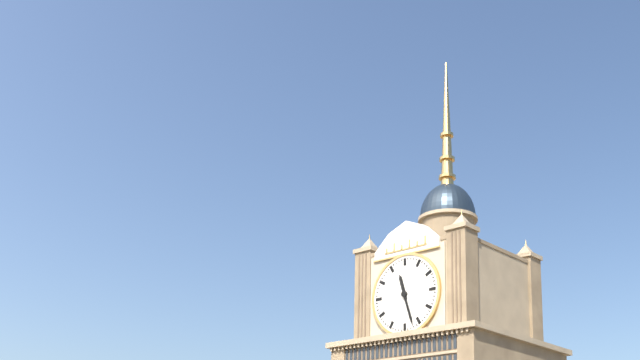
h=11 m=27
